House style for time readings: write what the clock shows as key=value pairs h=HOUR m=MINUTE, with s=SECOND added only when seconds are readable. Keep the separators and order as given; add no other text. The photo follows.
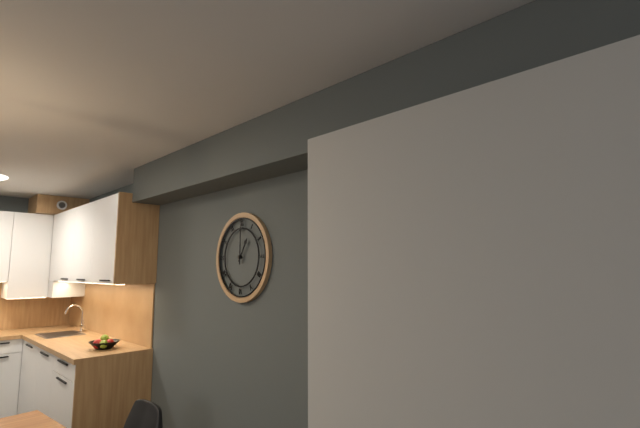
h=1 m=0
